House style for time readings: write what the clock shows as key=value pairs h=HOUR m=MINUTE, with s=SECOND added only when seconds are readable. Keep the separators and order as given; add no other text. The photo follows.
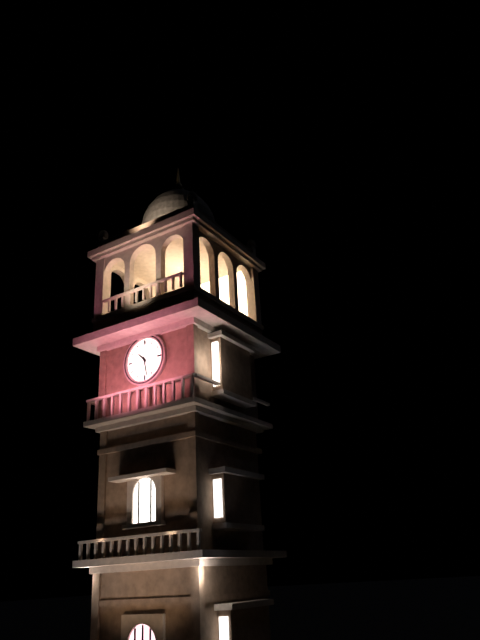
h=10 m=28
